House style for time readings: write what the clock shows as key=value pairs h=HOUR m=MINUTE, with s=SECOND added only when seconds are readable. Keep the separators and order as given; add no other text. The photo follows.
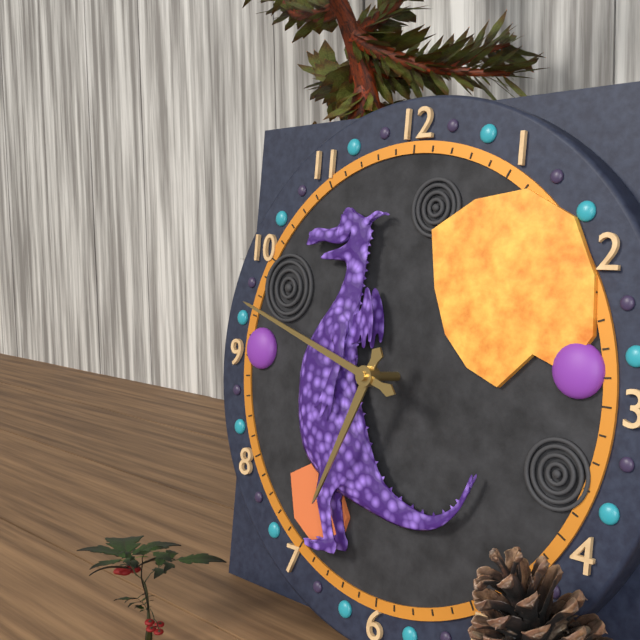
h=6 m=48
